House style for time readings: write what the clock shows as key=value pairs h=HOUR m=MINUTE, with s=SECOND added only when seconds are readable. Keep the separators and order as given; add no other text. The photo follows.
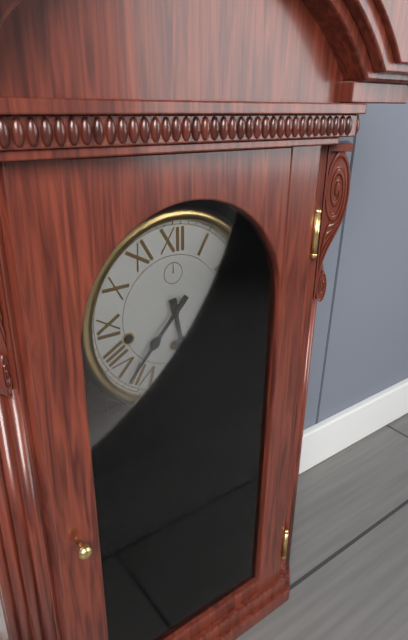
h=5 m=37
